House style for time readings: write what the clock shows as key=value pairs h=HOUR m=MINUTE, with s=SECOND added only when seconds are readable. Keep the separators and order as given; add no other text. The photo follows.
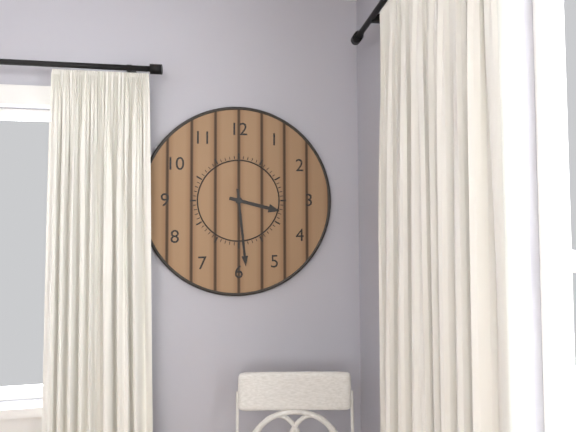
h=3 m=29
